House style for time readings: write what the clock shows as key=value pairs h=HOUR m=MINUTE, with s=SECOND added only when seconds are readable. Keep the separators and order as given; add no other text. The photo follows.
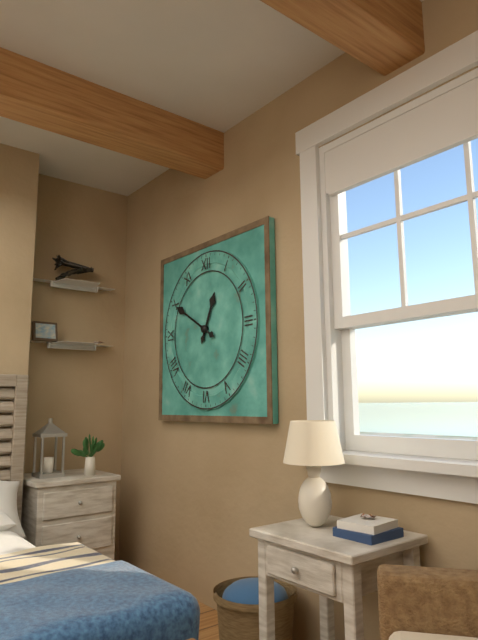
h=12 m=50
